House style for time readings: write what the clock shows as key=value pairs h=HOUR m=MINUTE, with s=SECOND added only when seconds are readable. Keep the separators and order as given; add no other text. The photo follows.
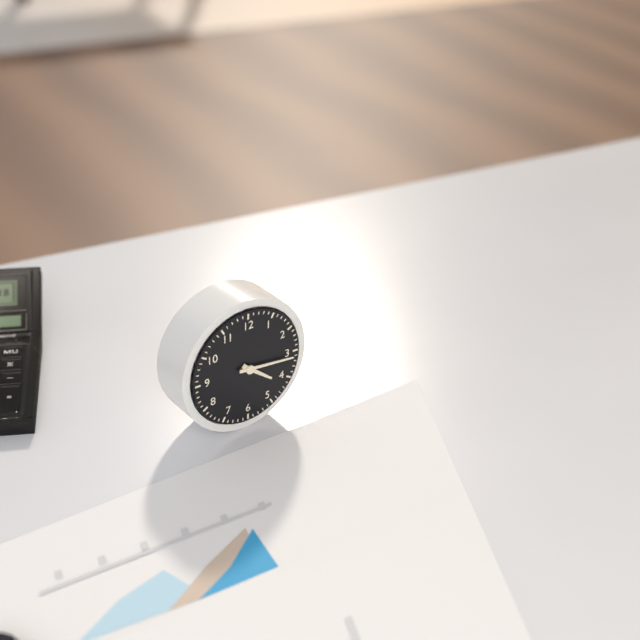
h=4 m=16
